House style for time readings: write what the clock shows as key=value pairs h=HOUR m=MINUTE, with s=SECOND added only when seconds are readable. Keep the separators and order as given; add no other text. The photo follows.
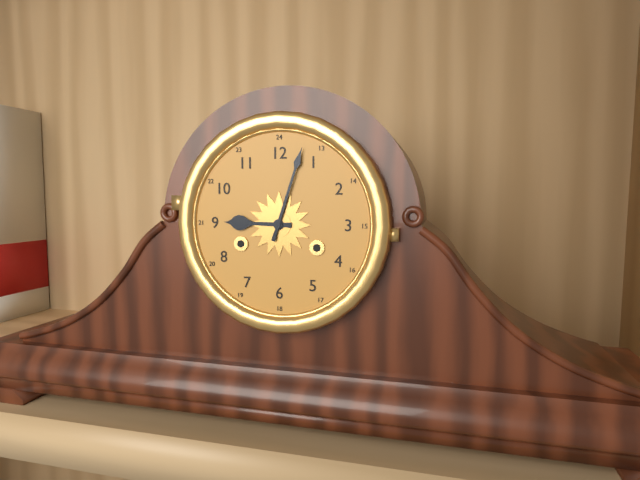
h=9 m=3
